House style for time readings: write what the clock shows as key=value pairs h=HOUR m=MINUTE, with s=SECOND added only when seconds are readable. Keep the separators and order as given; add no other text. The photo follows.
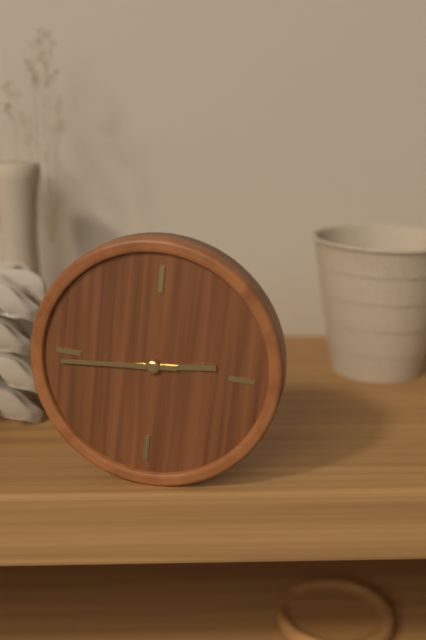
h=2 m=44
